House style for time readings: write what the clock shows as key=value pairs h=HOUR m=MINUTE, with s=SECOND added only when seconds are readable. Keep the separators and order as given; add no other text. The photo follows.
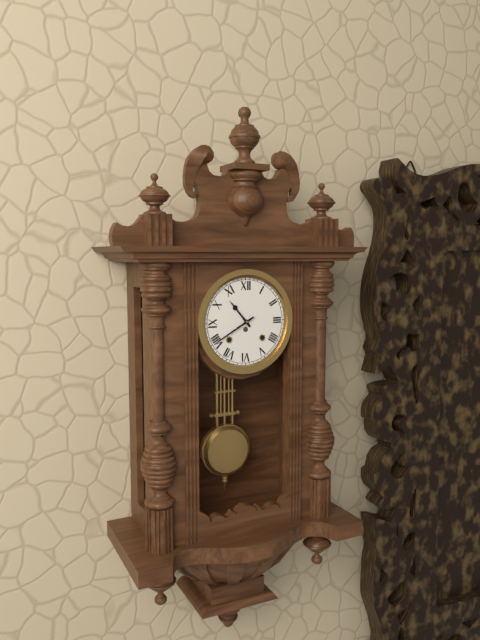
h=10 m=40
